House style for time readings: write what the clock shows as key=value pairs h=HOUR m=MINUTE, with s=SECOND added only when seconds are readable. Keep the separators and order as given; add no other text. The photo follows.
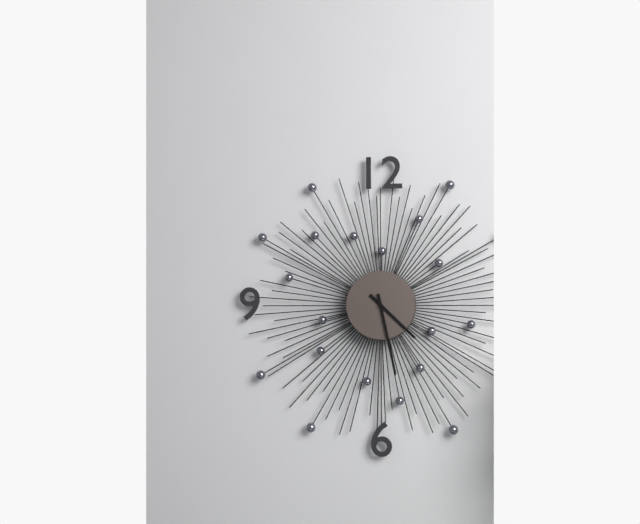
h=4 m=28
